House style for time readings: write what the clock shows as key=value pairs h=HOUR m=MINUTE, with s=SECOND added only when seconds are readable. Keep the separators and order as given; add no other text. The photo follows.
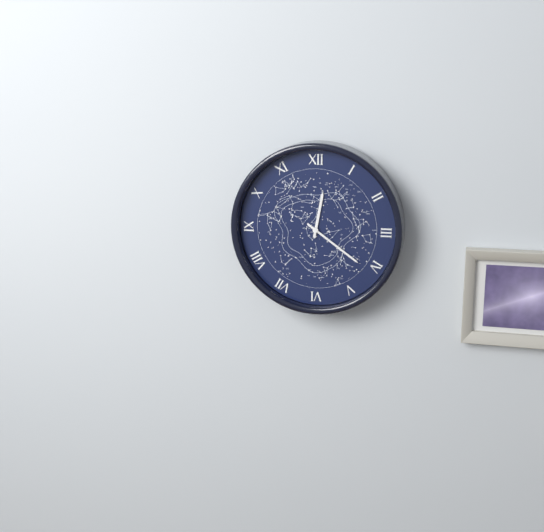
h=12 m=21
